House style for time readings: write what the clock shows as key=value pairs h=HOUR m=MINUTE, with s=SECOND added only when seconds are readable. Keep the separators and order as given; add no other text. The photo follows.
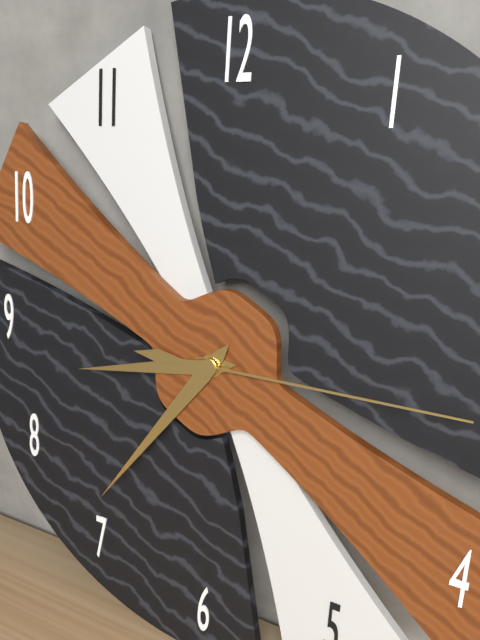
h=8 m=36 s=15
